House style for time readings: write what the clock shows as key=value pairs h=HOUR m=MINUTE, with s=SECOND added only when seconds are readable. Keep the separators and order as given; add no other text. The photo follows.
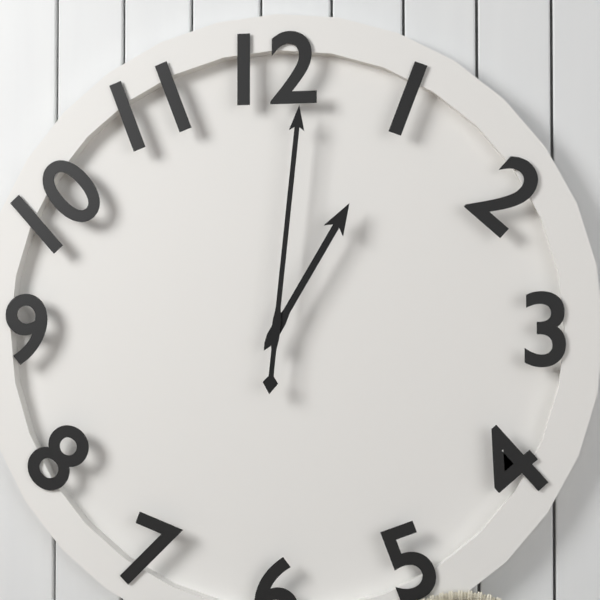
h=1 m=1
